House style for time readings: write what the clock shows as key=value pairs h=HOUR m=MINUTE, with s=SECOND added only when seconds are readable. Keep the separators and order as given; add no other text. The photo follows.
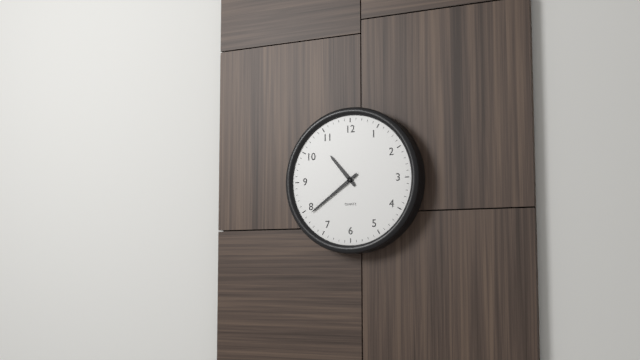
h=10 m=39
